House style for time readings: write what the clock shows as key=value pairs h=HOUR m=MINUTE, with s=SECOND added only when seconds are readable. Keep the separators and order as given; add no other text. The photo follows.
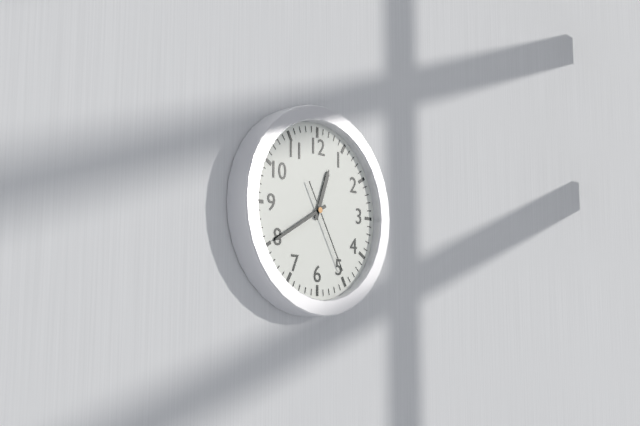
h=12 m=40 s=25
